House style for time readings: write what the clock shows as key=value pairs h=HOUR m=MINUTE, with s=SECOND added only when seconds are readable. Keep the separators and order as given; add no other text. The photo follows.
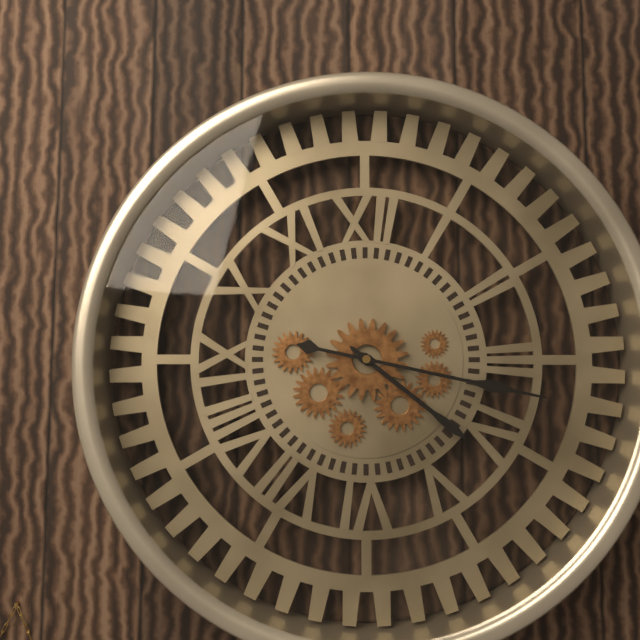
h=4 m=17
